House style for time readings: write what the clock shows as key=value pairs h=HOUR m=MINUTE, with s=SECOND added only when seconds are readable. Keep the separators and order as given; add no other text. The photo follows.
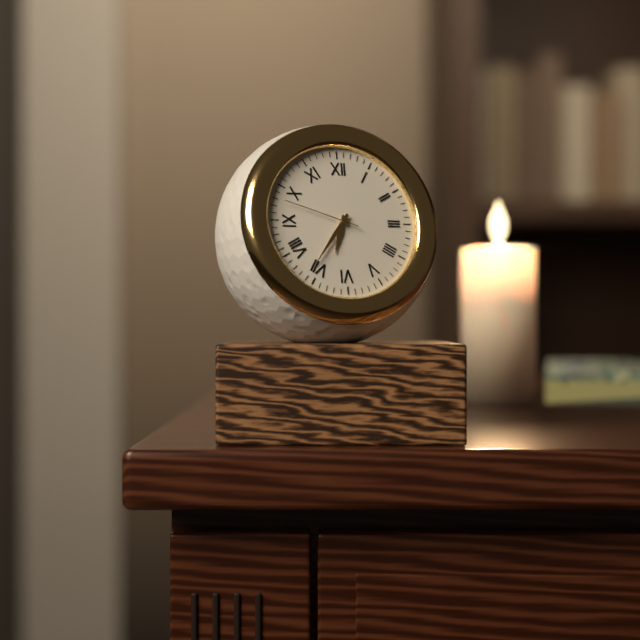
h=6 m=36 s=48
